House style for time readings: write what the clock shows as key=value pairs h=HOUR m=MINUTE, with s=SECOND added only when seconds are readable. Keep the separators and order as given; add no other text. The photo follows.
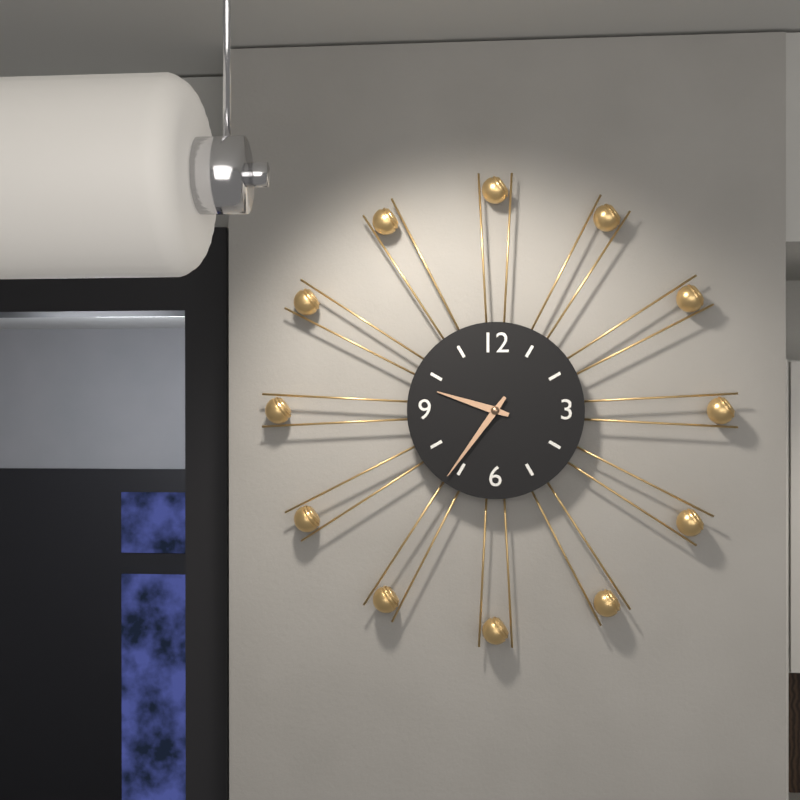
h=9 m=36
